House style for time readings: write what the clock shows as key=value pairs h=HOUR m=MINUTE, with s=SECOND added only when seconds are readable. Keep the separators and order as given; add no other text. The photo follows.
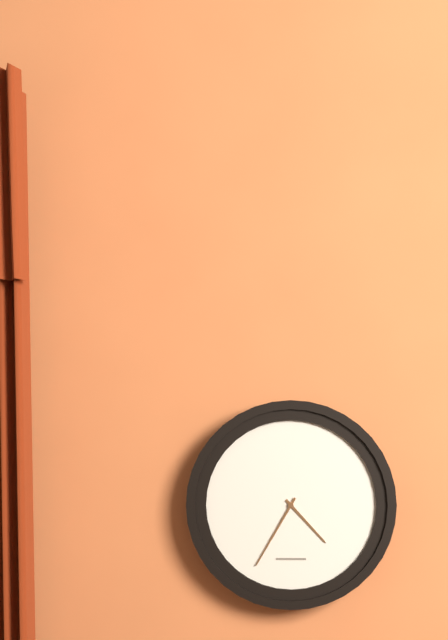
h=4 m=35
